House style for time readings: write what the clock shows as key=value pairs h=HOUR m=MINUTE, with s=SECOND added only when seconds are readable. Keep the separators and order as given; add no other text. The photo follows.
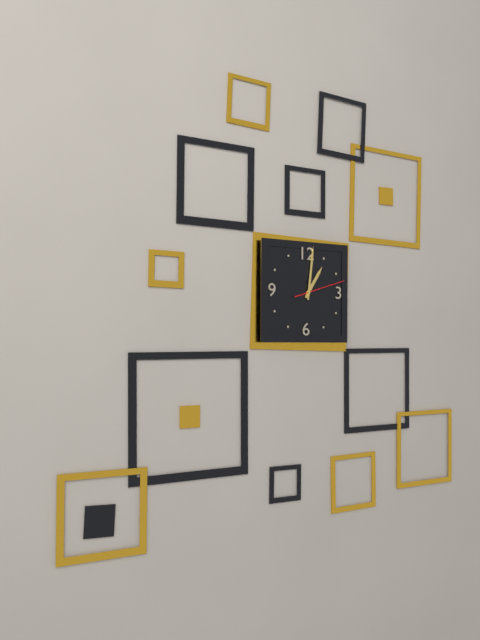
h=1 m=1 s=12
